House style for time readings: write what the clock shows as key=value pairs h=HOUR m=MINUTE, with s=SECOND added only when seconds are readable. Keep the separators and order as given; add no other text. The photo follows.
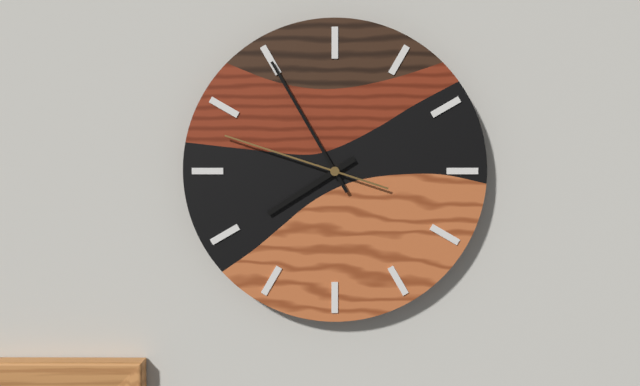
h=7 m=55 s=48
